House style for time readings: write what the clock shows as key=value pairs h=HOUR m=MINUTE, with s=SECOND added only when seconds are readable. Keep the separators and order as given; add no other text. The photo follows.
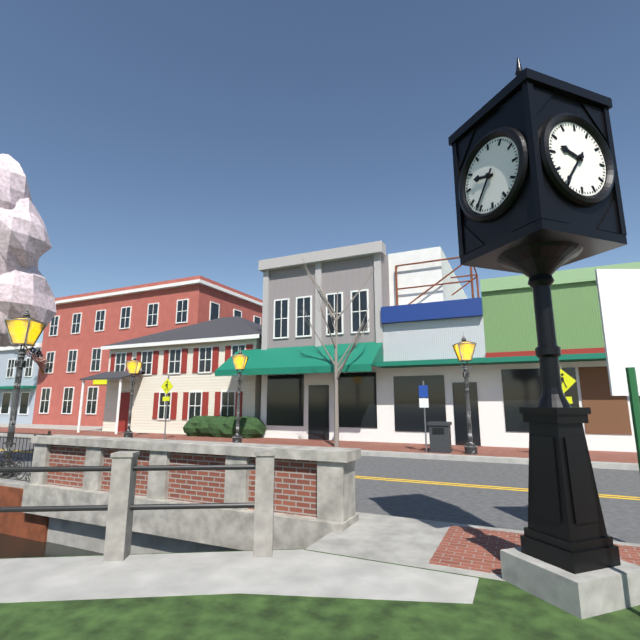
h=9 m=36
